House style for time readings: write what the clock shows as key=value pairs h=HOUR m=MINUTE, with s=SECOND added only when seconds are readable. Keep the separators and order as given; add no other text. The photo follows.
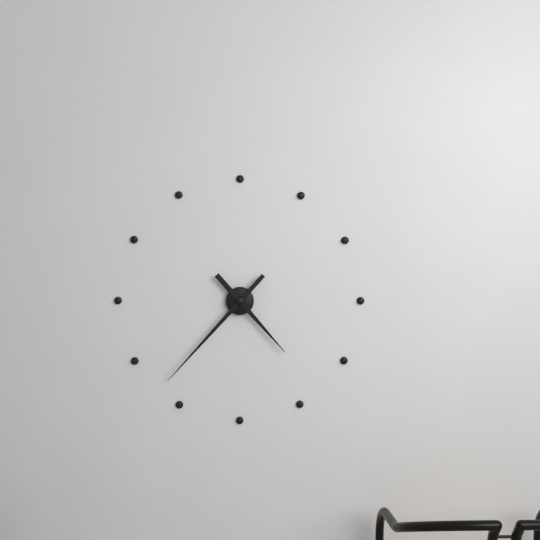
h=4 m=37
